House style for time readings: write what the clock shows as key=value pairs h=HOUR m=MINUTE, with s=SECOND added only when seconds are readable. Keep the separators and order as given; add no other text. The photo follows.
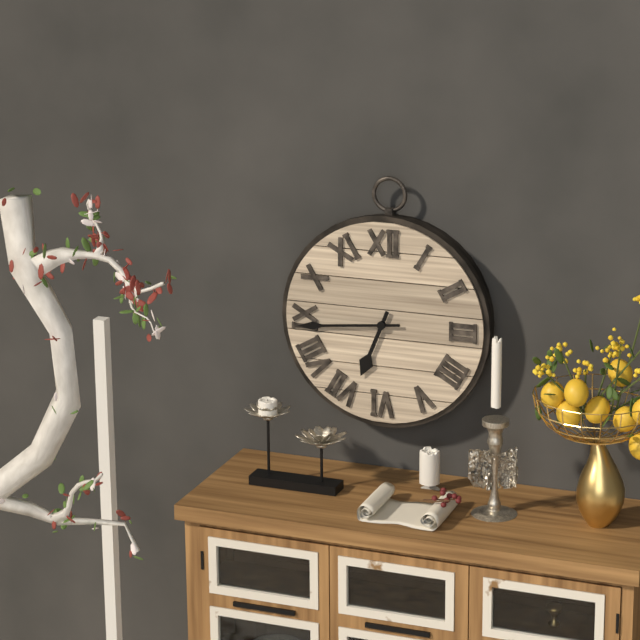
h=6 m=44
